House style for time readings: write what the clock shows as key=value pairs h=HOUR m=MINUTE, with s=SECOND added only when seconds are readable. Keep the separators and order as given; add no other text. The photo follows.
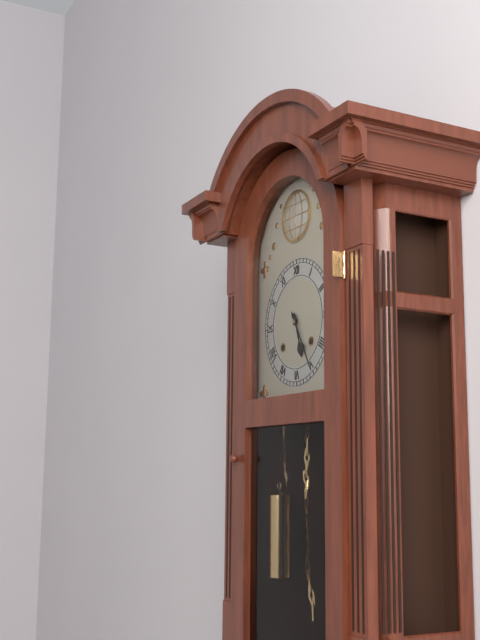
h=5 m=25
